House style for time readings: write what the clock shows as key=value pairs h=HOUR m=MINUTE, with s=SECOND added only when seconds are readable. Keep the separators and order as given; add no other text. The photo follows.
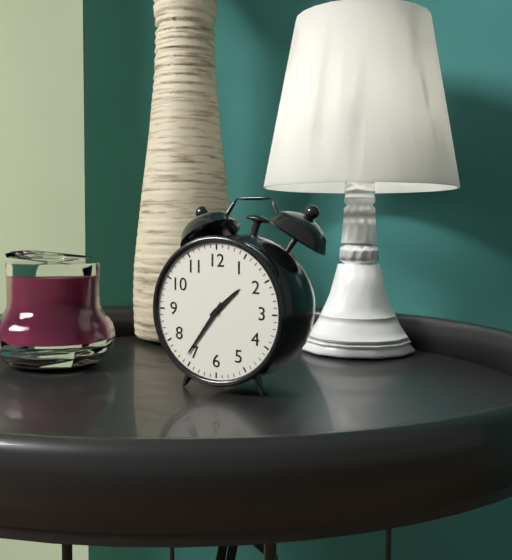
h=1 m=36
